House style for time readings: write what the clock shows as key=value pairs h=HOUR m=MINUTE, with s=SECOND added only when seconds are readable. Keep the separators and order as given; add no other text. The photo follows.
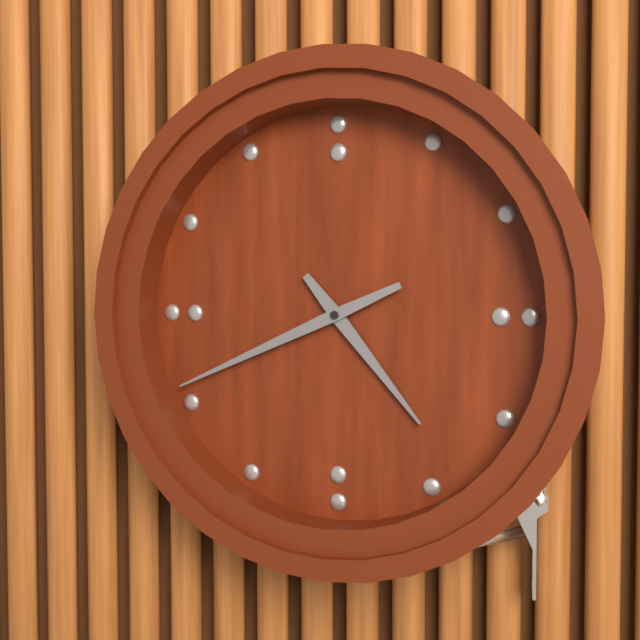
h=4 m=41
